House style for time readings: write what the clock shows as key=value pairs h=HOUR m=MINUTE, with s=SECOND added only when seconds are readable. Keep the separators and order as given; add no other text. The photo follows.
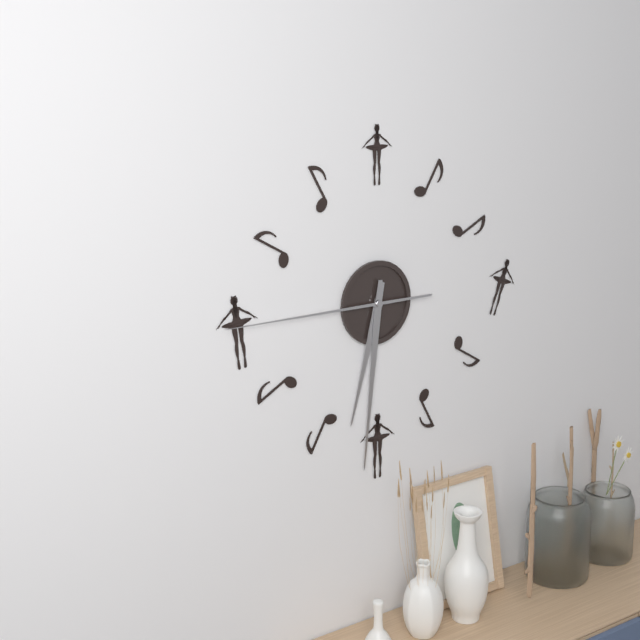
h=6 m=31 s=45
